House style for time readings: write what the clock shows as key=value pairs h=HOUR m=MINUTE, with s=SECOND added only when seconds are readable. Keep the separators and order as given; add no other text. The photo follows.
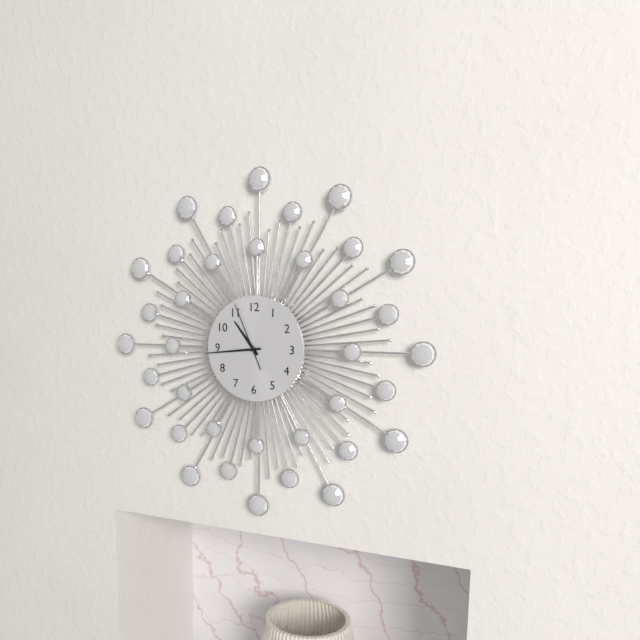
h=10 m=44 s=56
